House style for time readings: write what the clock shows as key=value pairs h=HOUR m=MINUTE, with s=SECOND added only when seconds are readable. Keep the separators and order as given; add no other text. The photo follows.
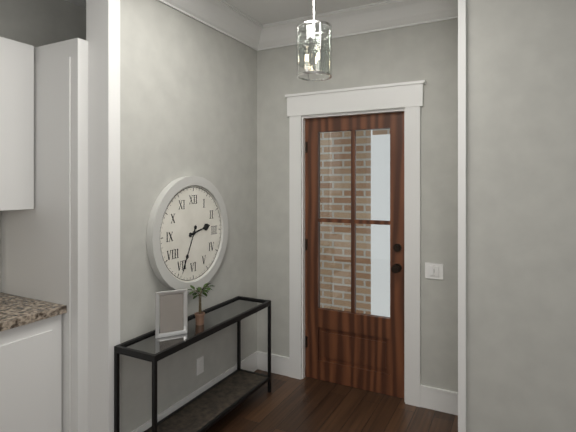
h=2 m=34
